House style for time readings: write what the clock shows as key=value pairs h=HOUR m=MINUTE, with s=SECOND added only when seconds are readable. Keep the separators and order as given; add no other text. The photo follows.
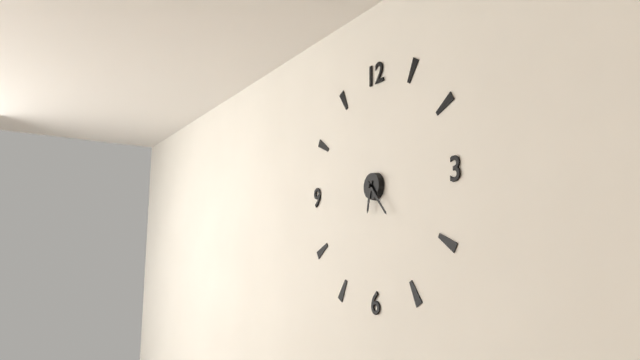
h=6 m=23
